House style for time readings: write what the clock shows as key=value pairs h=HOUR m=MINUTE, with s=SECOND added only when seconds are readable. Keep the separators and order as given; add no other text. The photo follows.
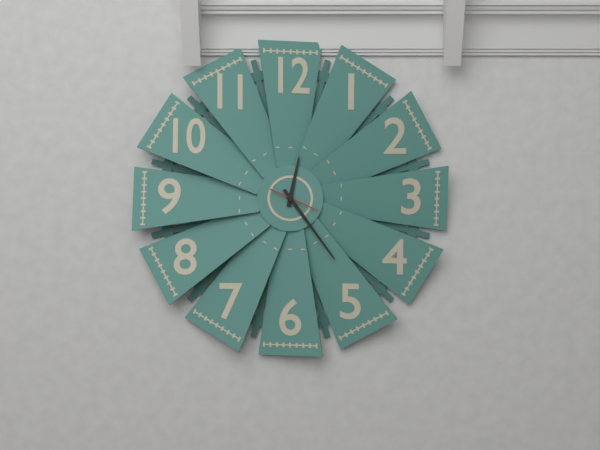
h=12 m=24
